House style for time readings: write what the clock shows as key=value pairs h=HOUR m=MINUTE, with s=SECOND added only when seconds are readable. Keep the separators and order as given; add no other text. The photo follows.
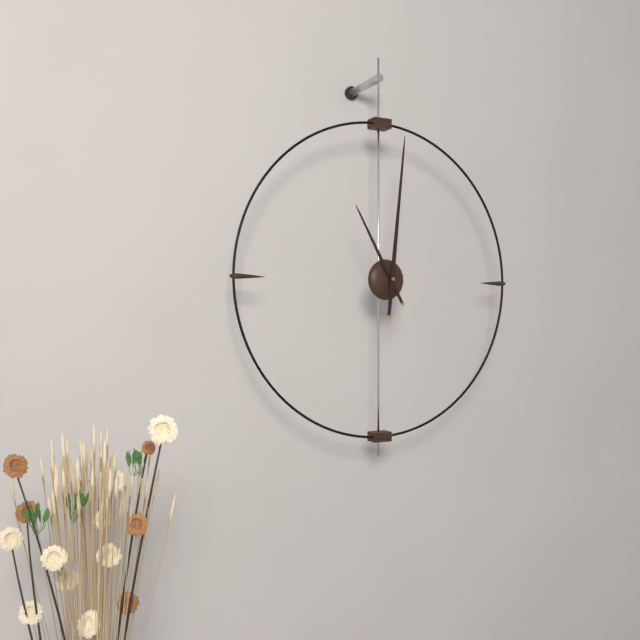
h=11 m=1
